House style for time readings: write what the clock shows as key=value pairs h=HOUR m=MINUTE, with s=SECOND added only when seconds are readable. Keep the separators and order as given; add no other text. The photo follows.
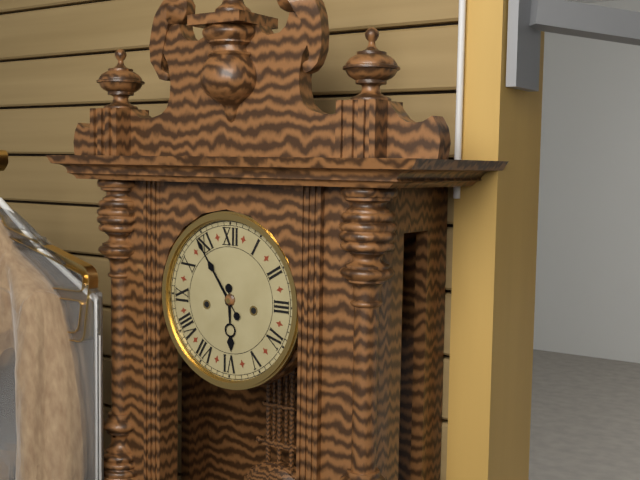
h=5 m=54
